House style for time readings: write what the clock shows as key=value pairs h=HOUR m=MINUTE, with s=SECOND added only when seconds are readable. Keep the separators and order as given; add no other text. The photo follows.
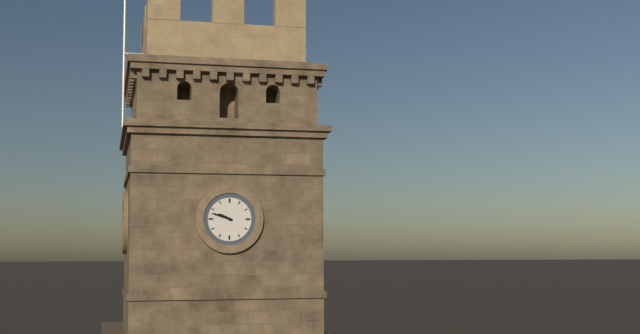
h=9 m=48
